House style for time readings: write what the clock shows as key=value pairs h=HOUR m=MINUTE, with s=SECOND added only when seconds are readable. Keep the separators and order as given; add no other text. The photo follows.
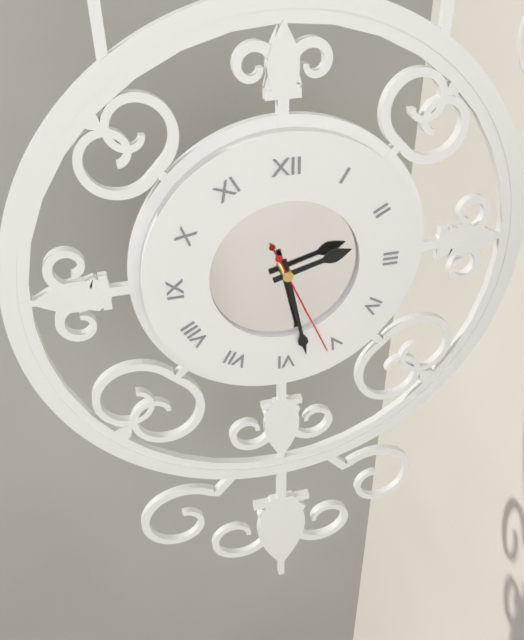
h=2 m=28 s=26
